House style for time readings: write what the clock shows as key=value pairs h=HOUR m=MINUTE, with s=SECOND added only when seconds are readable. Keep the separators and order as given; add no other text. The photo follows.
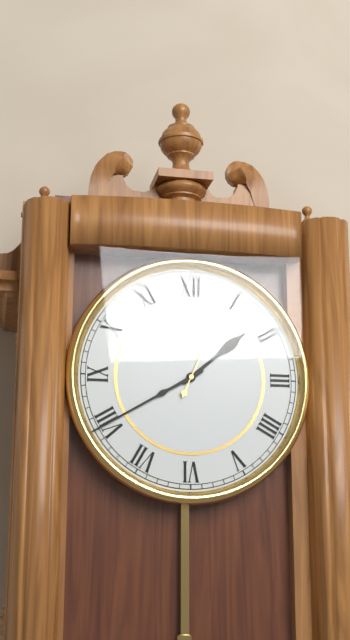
h=1 m=40 s=4
